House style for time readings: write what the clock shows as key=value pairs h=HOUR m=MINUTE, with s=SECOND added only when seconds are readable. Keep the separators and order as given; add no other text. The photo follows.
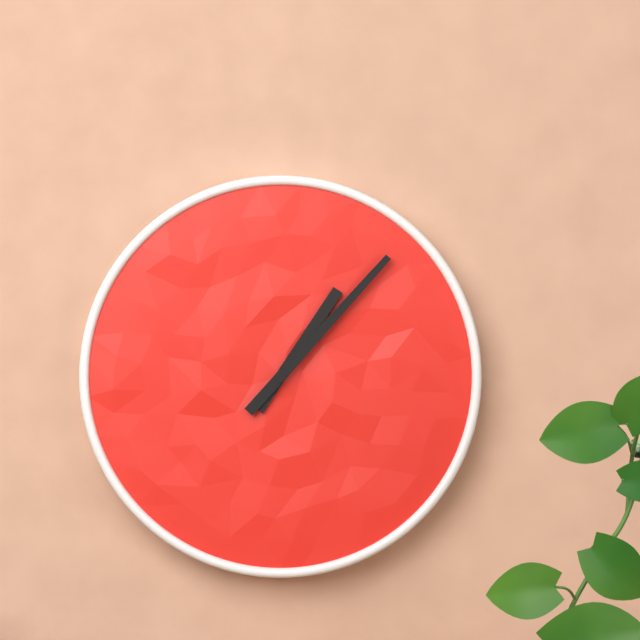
h=1 m=7
